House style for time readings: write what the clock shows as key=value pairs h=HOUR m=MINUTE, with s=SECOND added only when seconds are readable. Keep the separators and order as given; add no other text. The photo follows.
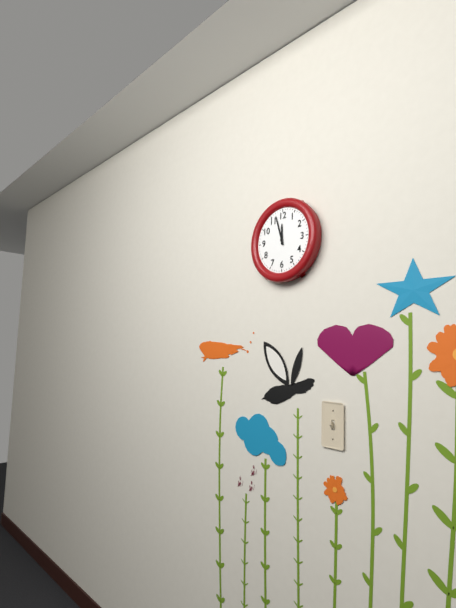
h=11 m=57
